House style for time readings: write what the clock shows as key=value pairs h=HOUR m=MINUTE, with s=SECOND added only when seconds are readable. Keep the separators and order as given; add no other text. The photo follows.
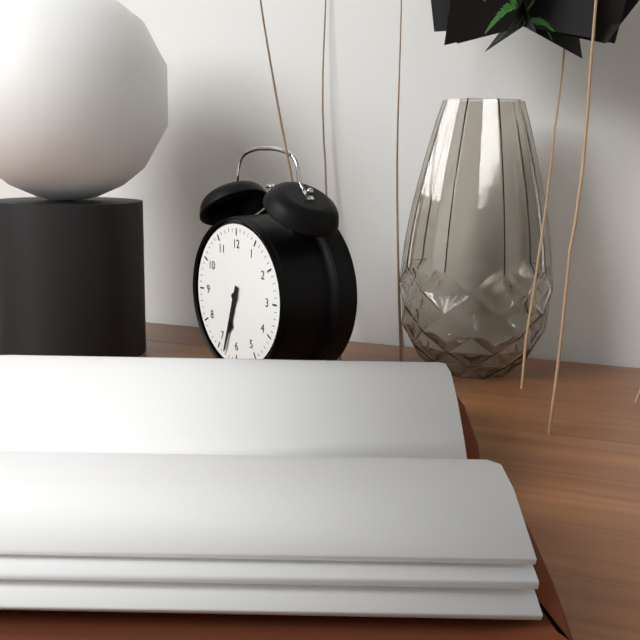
h=6 m=33
